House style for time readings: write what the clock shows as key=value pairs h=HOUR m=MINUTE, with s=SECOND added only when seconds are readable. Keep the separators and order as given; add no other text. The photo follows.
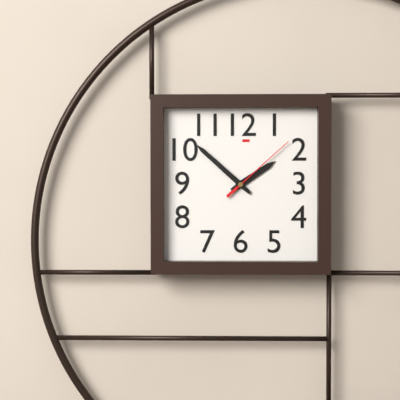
h=1 m=52 s=8
